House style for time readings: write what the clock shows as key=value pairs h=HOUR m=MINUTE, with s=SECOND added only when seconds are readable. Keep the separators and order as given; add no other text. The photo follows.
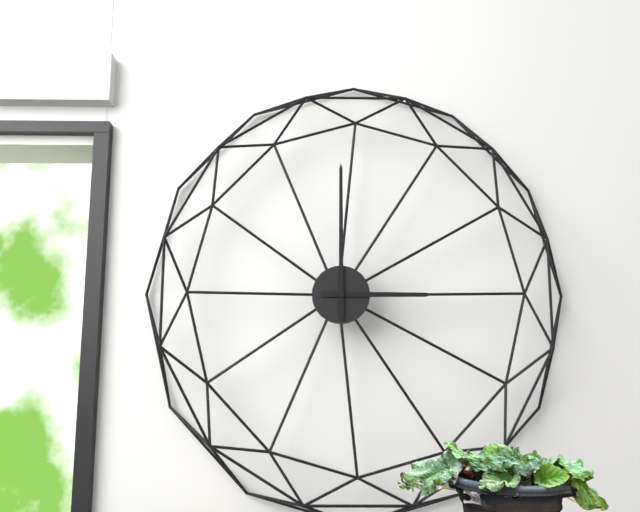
h=3 m=0
